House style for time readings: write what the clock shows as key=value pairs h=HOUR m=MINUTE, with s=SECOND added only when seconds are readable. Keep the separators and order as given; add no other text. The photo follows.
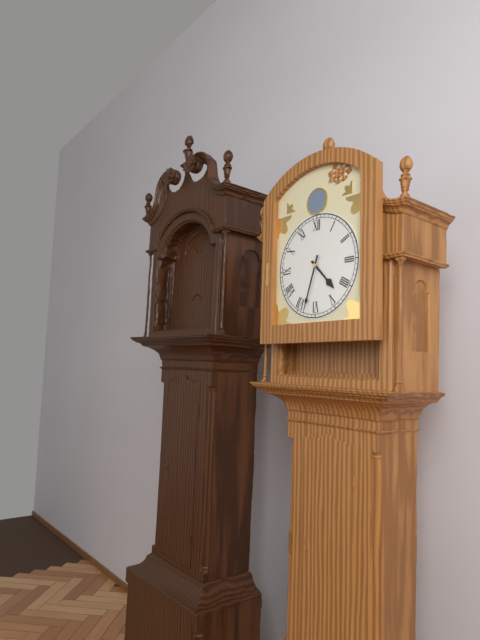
h=4 m=33
